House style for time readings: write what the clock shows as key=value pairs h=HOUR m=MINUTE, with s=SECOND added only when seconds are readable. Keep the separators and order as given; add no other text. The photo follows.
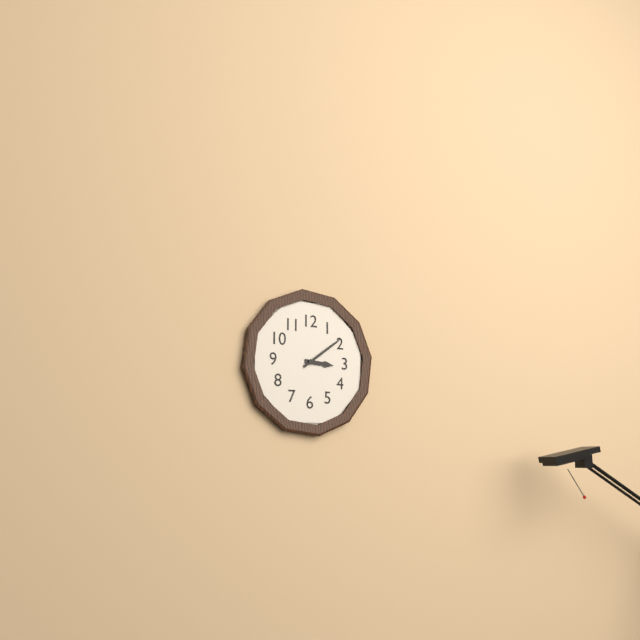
h=3 m=9
